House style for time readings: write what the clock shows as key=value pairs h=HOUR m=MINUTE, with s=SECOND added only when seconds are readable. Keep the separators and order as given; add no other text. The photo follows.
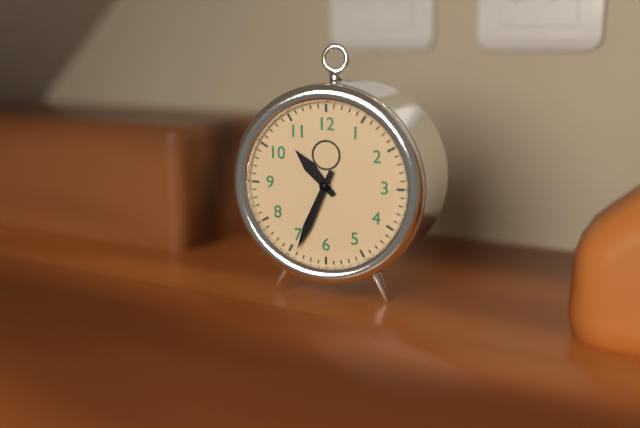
h=10 m=34
